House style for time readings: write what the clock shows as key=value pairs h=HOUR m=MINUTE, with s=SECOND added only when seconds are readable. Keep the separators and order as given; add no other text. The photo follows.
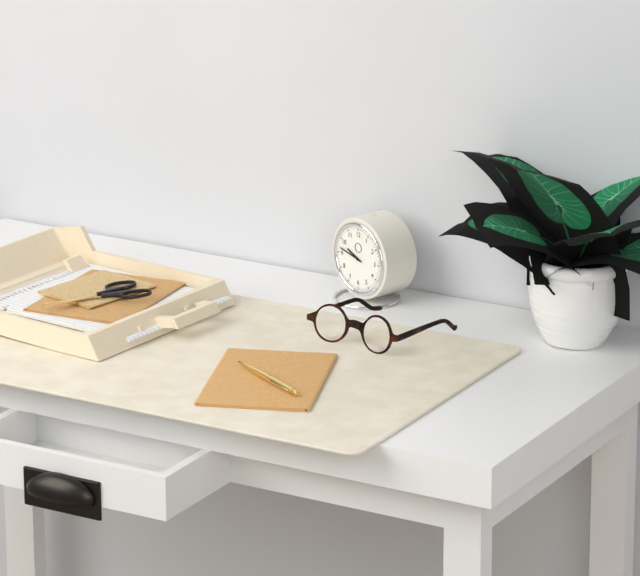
h=9 m=47
